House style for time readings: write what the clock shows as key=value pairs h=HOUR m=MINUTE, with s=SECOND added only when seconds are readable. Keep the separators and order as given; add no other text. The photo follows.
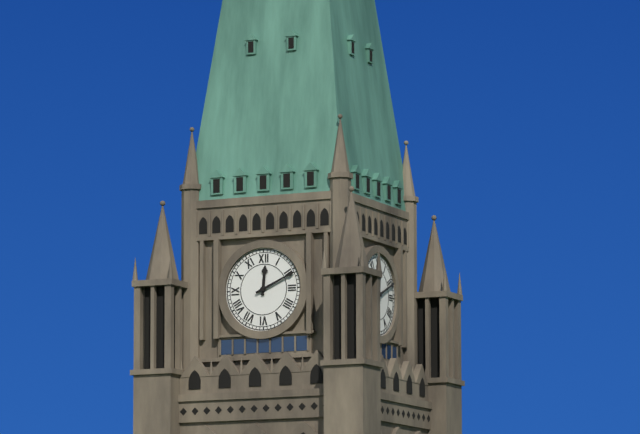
h=12 m=11
